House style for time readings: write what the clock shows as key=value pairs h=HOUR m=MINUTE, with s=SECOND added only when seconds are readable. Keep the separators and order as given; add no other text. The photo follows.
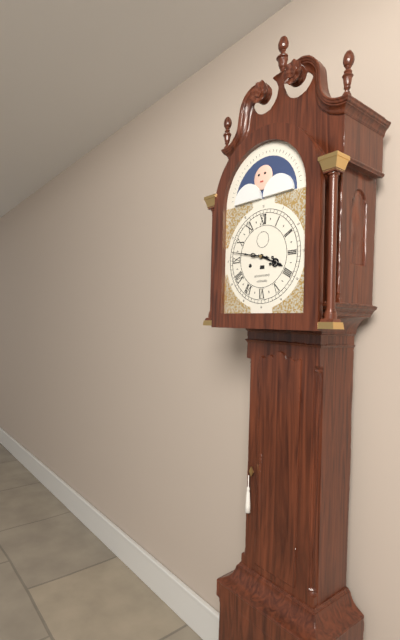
h=3 m=47
